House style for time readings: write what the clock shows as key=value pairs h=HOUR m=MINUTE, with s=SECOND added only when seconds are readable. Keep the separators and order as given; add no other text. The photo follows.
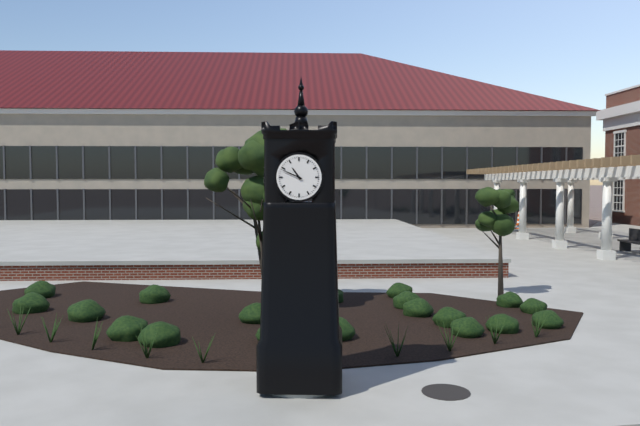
h=10 m=49
